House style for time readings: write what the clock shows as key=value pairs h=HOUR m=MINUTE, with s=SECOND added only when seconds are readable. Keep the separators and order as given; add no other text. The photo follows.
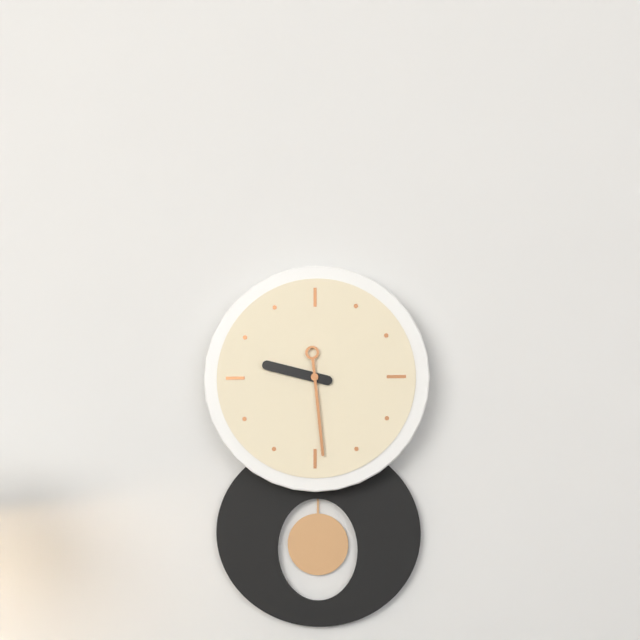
h=9 m=29
